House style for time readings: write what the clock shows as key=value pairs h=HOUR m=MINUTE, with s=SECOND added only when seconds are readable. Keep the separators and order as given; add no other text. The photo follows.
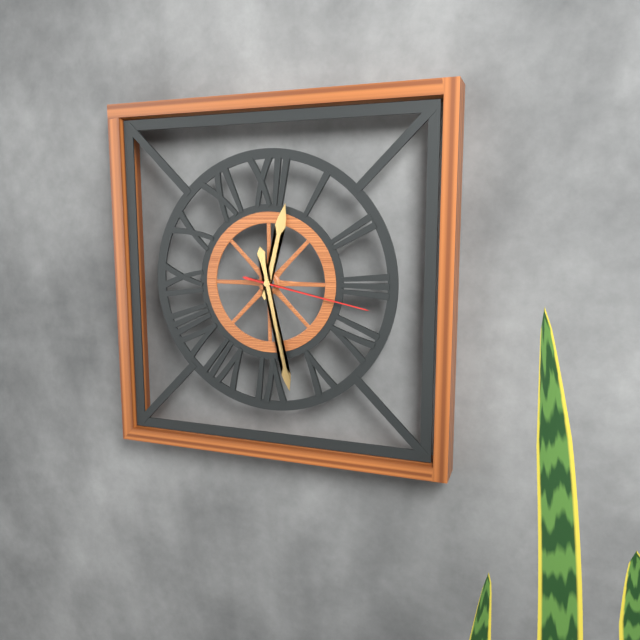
h=12 m=28 s=17
